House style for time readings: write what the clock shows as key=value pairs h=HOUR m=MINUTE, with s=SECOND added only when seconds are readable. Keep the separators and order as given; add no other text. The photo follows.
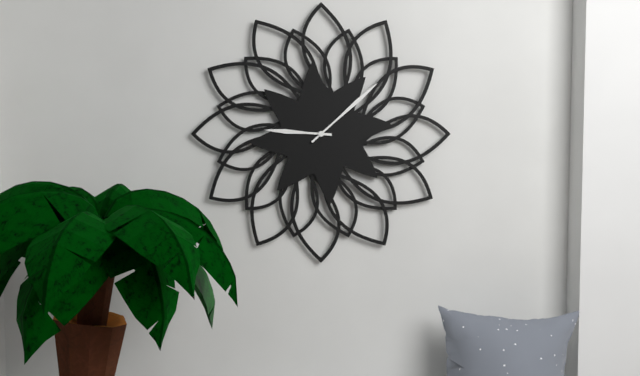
h=9 m=8
